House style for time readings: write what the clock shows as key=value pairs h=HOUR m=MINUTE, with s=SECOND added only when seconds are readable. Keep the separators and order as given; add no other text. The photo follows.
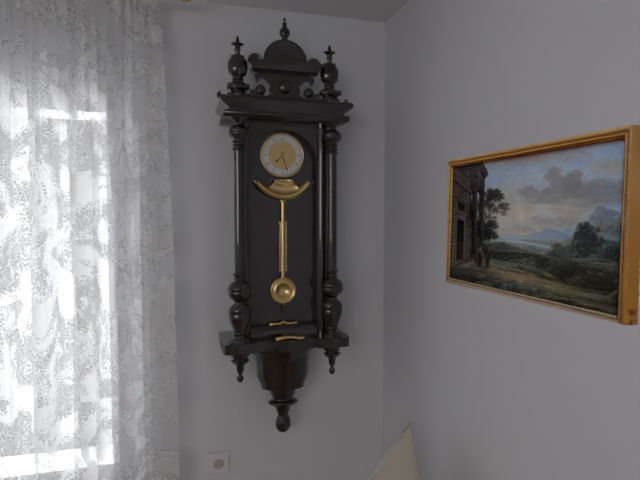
h=7 m=27
